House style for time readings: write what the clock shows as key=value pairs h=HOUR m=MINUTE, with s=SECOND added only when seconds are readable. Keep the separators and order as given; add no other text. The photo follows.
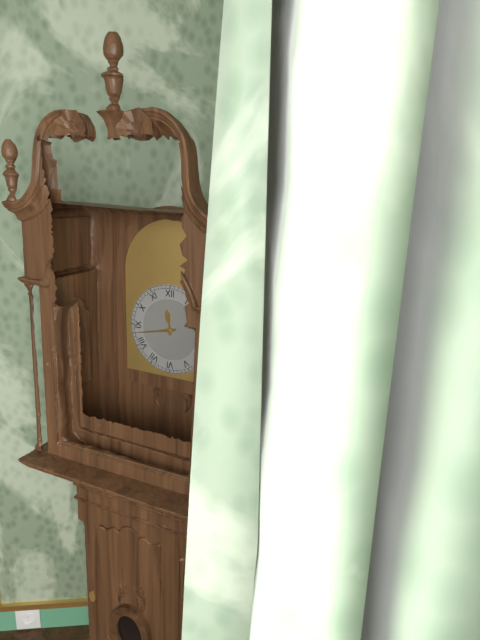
h=11 m=43
